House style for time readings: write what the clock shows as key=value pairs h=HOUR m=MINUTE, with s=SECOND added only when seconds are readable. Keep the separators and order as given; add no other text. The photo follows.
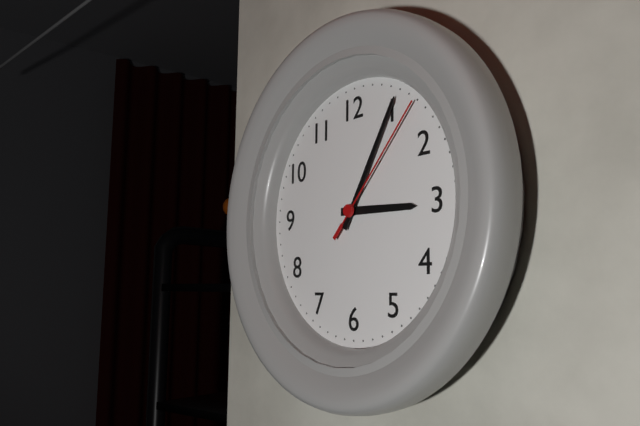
h=3 m=5 s=7
